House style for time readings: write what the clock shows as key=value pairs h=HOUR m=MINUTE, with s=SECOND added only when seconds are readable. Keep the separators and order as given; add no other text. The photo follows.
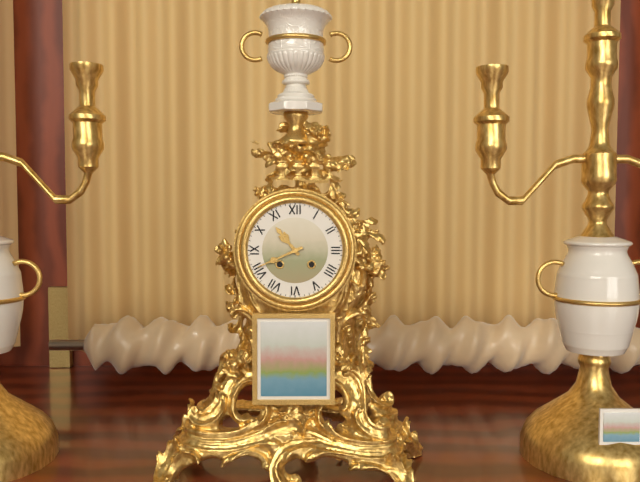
h=10 m=41
